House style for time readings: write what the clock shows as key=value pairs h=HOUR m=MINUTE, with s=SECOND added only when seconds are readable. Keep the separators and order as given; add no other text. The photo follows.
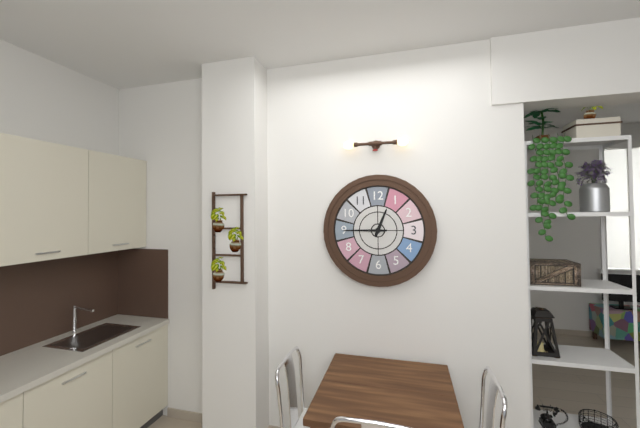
h=12 m=45
